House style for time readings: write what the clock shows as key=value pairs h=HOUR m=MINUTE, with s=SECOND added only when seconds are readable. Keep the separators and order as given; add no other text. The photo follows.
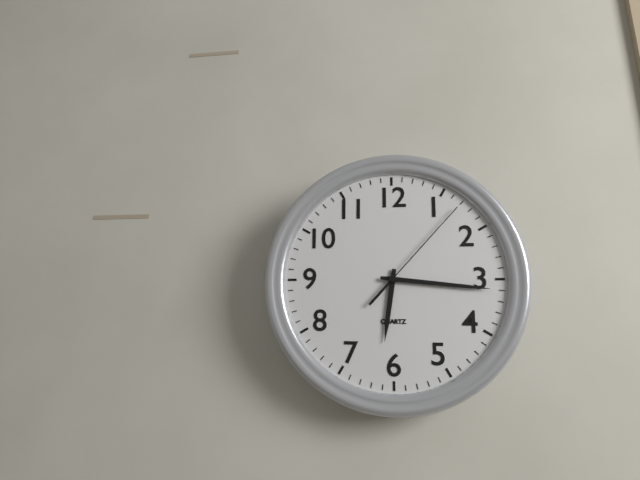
h=6 m=16 s=7
